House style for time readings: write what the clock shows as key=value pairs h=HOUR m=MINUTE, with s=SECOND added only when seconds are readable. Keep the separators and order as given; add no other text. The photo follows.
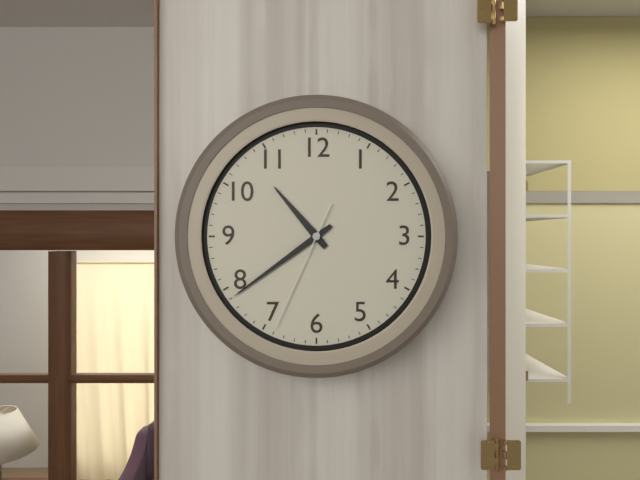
h=10 m=39 s=34
